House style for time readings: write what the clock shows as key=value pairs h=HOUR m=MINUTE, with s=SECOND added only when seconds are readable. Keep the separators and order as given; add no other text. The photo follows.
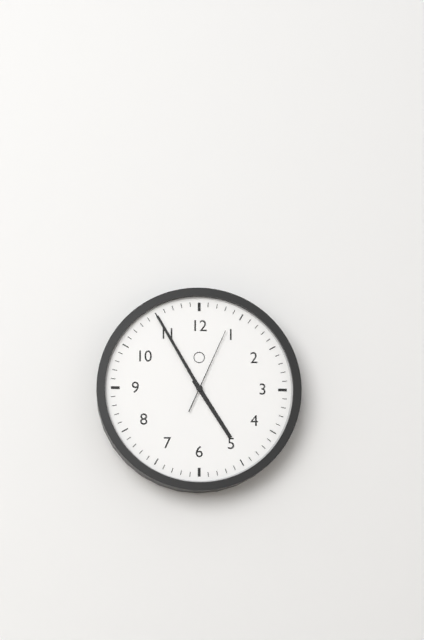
h=4 m=55 s=4
